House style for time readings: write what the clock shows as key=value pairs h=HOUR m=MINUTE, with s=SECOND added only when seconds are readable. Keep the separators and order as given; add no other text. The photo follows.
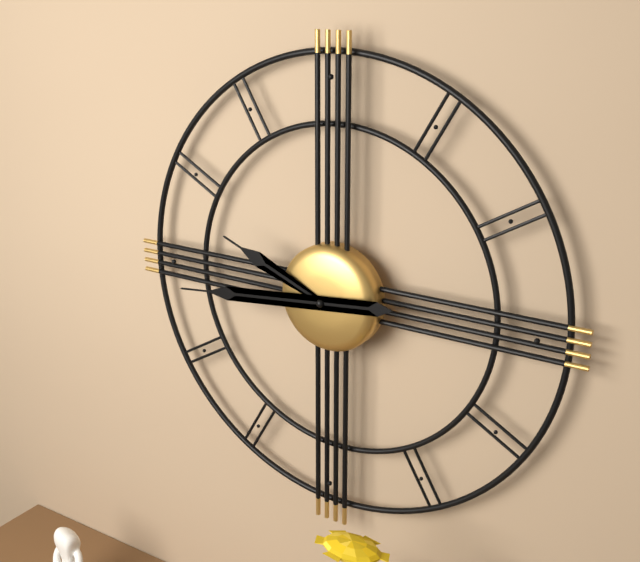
h=9 m=44
